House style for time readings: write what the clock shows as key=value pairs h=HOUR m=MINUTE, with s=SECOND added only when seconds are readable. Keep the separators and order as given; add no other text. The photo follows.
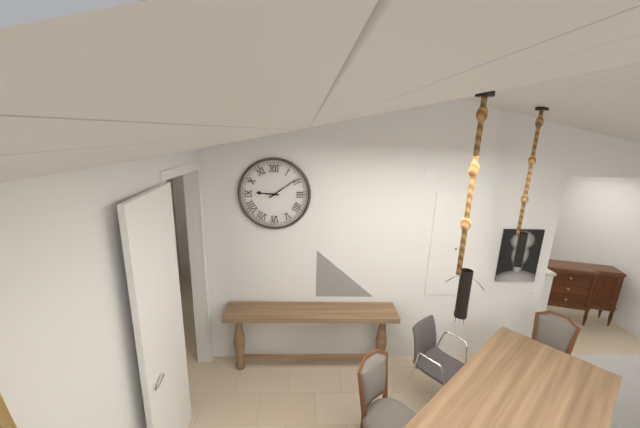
h=9 m=9
